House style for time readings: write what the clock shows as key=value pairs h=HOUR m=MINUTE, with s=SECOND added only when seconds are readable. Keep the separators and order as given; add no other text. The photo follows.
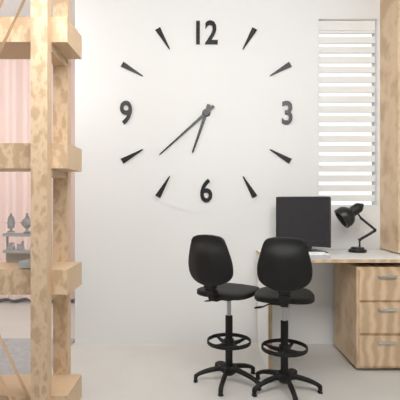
h=6 m=38
